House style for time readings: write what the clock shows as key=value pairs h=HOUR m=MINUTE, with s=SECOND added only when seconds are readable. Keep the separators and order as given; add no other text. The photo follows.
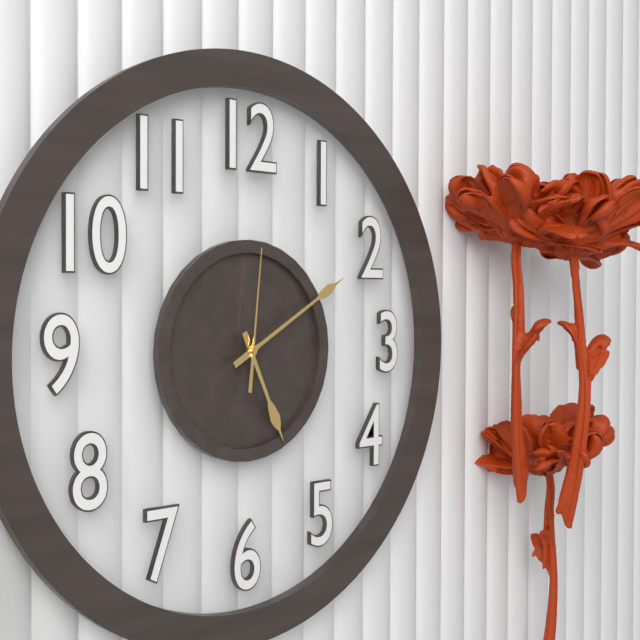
h=5 m=10 s=1
